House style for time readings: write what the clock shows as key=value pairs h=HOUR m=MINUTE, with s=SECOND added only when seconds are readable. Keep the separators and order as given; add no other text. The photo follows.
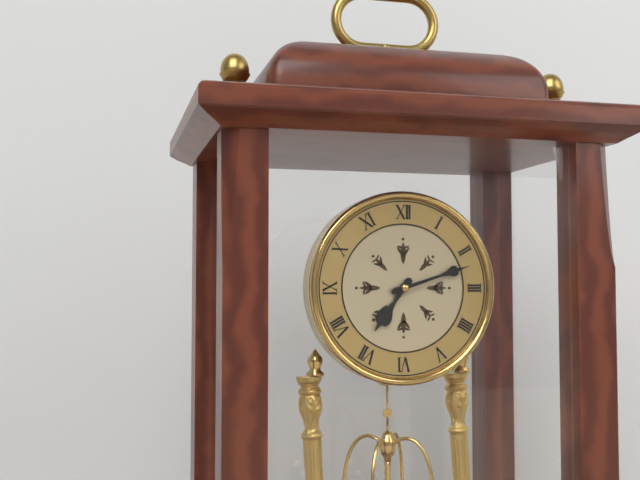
h=7 m=12
